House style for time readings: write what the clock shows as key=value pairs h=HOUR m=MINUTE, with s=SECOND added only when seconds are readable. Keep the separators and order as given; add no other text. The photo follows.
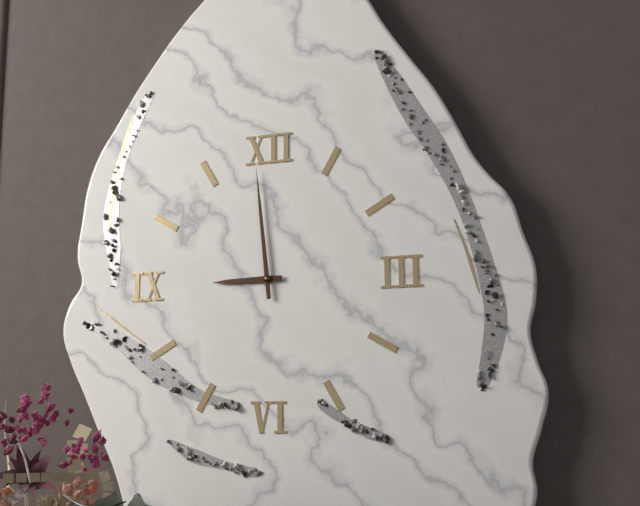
h=8 m=59
